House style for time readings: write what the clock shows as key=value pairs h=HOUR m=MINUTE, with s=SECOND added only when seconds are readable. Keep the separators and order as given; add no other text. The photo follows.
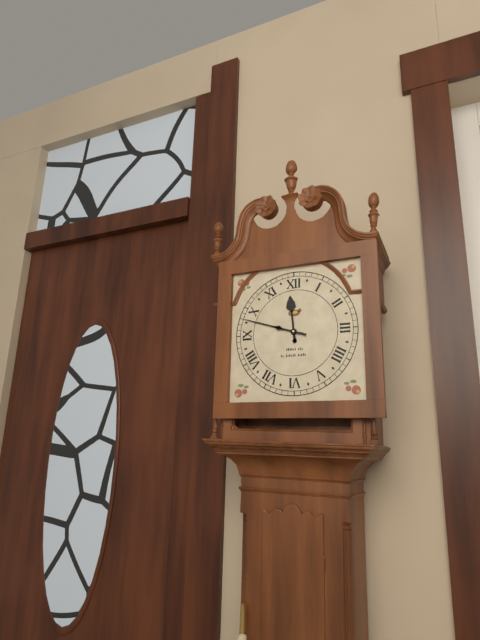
h=11 m=48
